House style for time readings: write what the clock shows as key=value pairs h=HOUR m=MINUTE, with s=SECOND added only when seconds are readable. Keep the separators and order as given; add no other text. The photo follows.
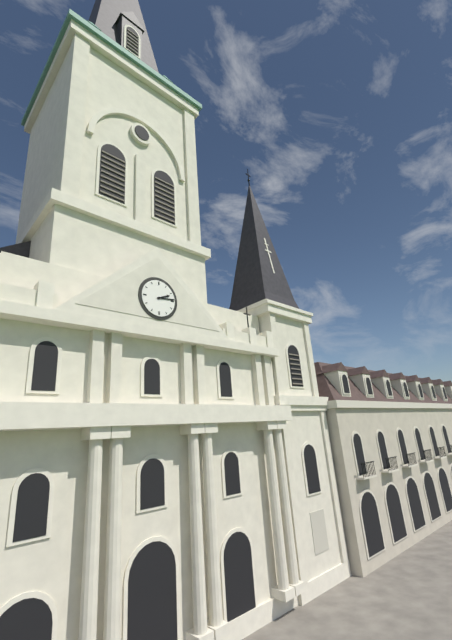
h=2 m=14
